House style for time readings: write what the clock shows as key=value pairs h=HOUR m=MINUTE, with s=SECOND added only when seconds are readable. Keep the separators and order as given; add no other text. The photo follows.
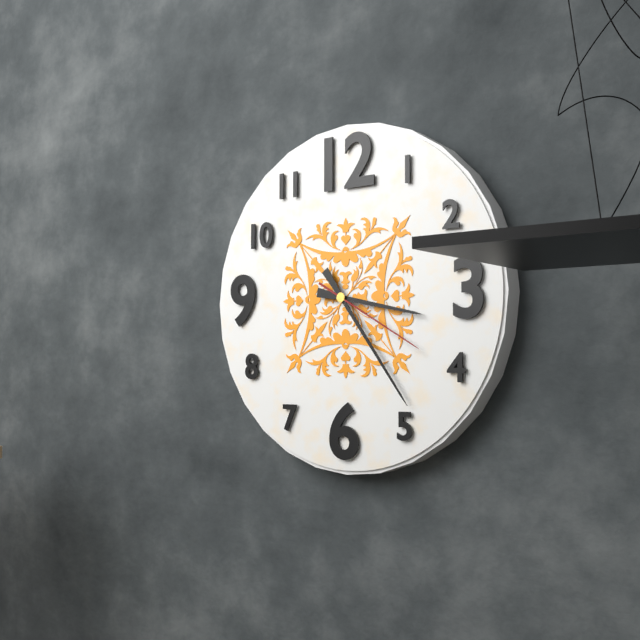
h=3 m=24 s=20
